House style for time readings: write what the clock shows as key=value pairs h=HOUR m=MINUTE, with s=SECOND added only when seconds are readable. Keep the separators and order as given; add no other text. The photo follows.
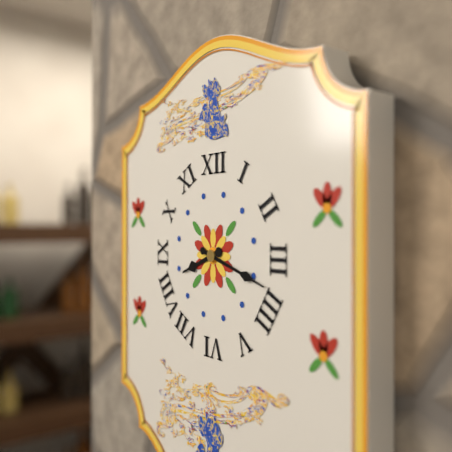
h=8 m=18
